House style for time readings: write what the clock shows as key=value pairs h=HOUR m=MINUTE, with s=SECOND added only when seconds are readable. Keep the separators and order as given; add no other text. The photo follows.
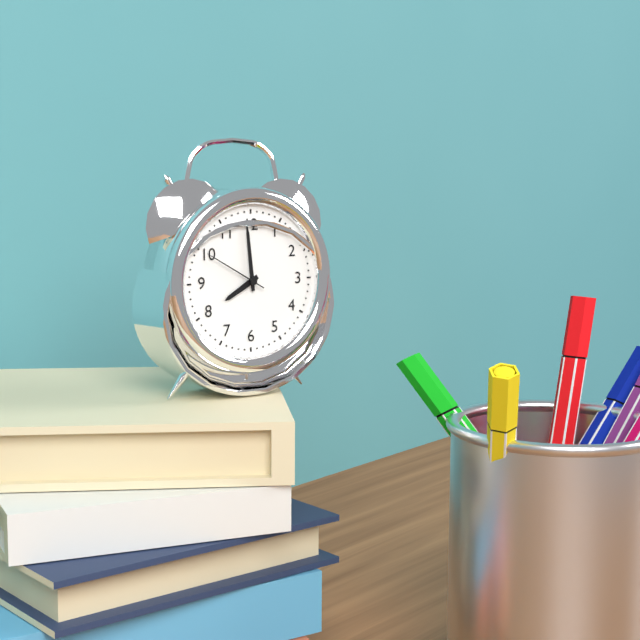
h=7 m=59 s=50
